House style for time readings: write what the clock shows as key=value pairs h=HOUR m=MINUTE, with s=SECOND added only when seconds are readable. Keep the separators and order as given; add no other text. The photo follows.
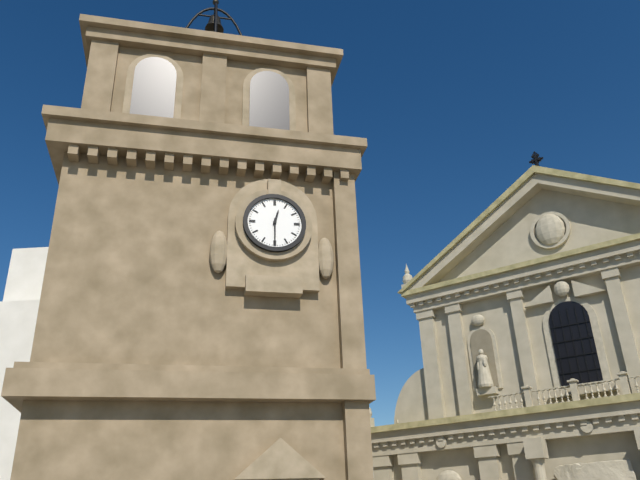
h=12 m=30
